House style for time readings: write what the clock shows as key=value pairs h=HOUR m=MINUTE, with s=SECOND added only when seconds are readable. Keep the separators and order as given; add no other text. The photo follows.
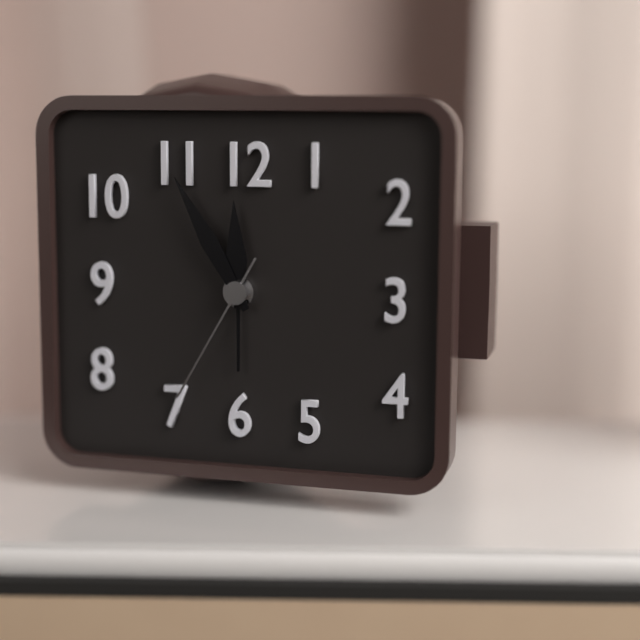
h=11 m=55 s=35
